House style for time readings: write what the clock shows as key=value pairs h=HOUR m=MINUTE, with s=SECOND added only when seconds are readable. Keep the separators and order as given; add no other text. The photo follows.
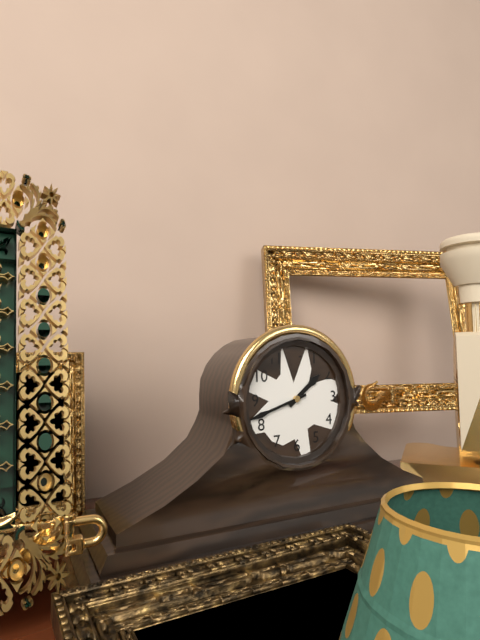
h=1 m=42
